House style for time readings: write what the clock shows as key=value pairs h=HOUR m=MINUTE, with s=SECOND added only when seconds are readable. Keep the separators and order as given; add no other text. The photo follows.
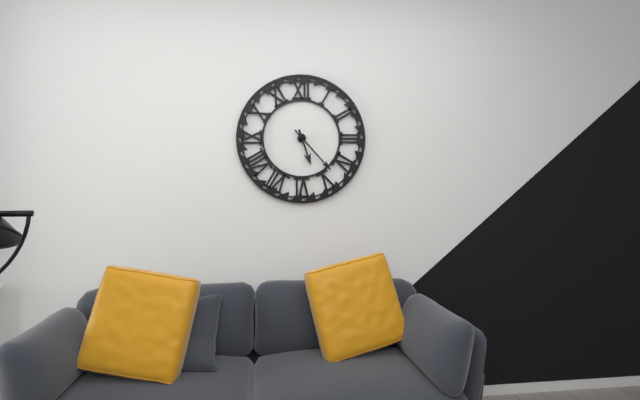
h=5 m=23
